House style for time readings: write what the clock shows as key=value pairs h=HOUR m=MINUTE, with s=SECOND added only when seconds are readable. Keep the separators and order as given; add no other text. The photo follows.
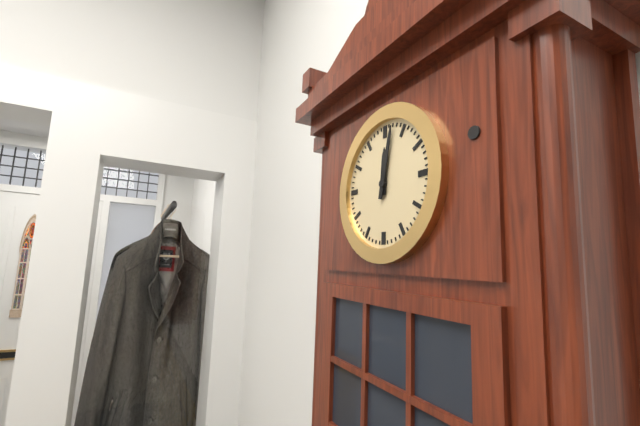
h=12 m=2
